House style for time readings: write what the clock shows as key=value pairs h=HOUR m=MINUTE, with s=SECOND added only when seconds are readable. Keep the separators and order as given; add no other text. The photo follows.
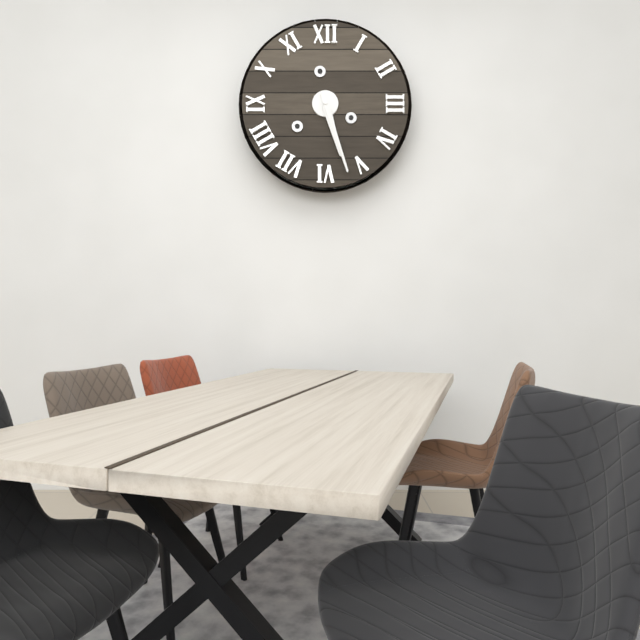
h=5 m=27
